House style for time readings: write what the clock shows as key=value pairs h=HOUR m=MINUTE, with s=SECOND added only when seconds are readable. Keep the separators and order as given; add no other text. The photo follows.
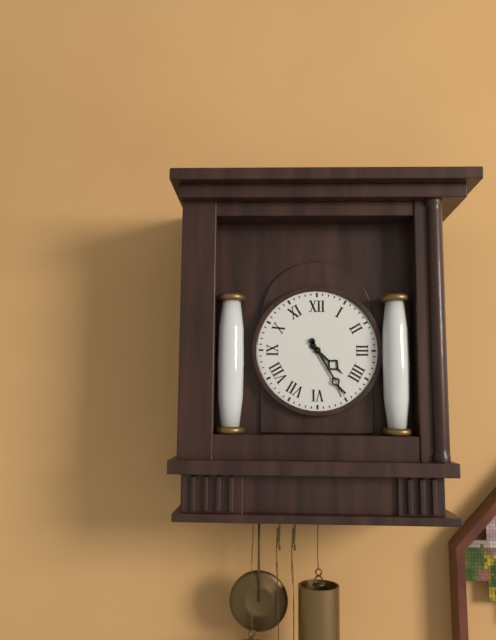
h=4 m=25
